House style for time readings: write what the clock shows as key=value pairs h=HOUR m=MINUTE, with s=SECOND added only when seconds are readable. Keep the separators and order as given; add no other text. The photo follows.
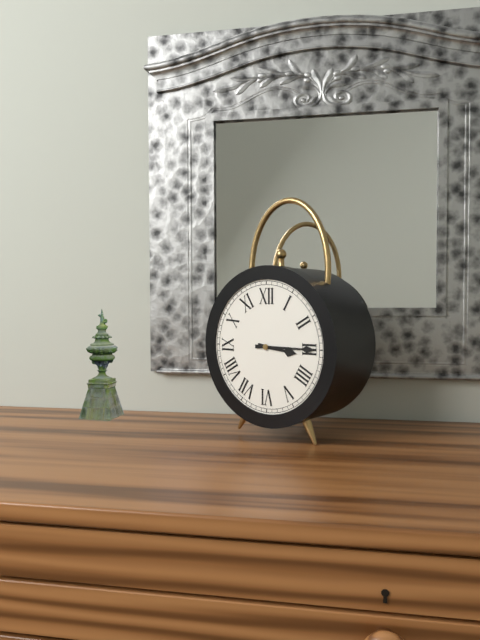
h=3 m=15
